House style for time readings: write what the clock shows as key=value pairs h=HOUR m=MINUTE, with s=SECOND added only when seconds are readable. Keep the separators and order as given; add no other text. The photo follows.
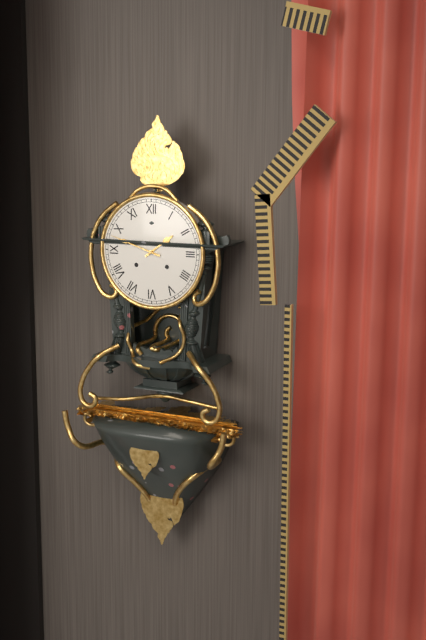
h=1 m=48
